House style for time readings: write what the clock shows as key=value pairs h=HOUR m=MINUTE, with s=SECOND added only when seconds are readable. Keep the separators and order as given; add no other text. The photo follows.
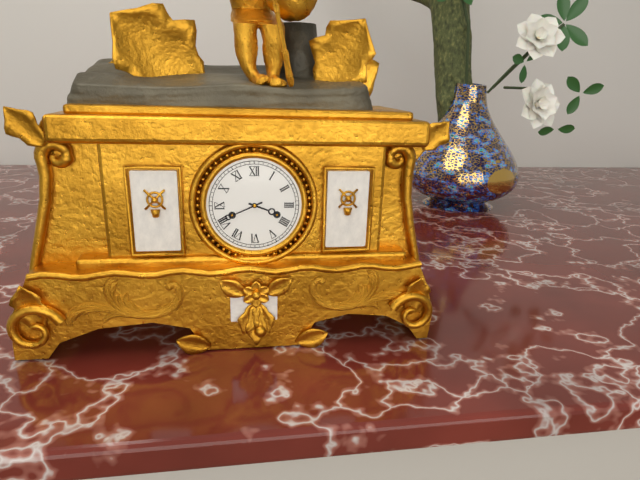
h=3 m=41
